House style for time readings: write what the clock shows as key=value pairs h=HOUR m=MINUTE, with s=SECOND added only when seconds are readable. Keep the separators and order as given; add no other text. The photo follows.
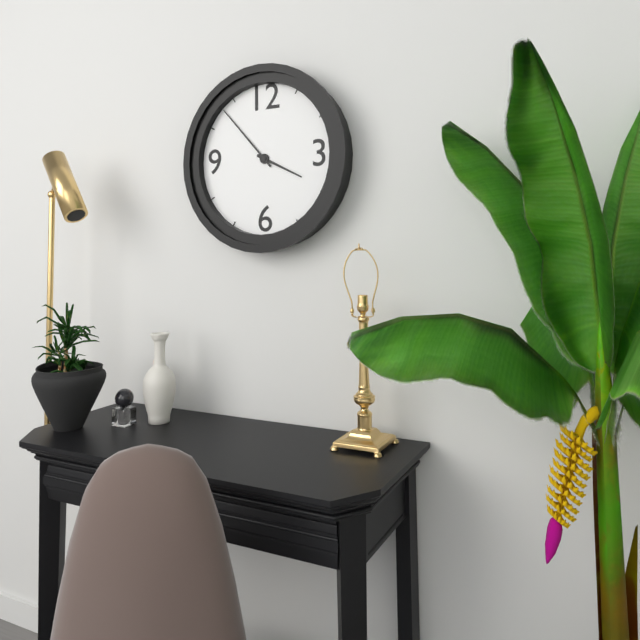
h=3 m=53
